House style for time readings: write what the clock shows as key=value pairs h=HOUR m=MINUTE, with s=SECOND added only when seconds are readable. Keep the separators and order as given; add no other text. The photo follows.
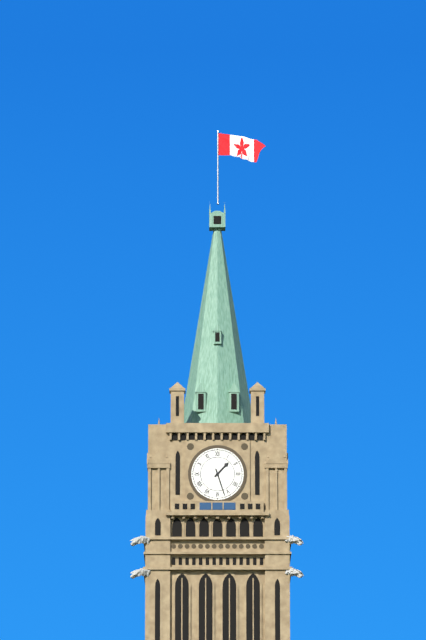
h=1 m=27
